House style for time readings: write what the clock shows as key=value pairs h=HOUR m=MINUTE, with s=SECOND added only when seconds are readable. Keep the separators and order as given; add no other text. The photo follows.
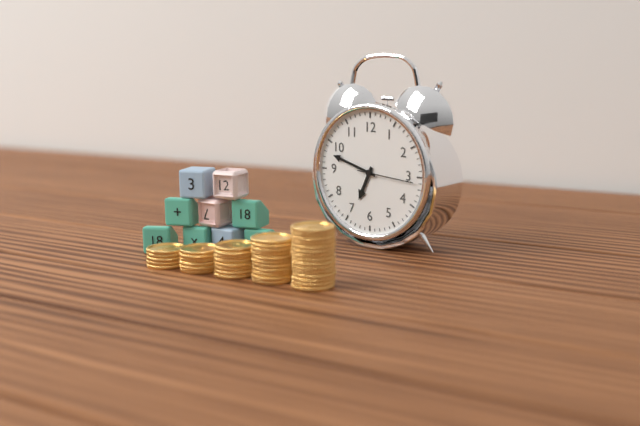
h=6 m=48 s=16
